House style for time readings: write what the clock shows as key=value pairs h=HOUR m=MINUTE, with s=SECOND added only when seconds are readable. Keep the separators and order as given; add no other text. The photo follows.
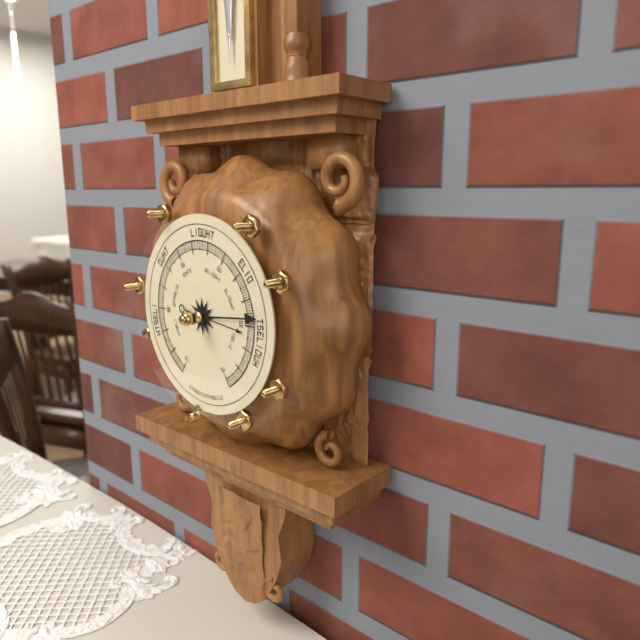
h=3 m=14
